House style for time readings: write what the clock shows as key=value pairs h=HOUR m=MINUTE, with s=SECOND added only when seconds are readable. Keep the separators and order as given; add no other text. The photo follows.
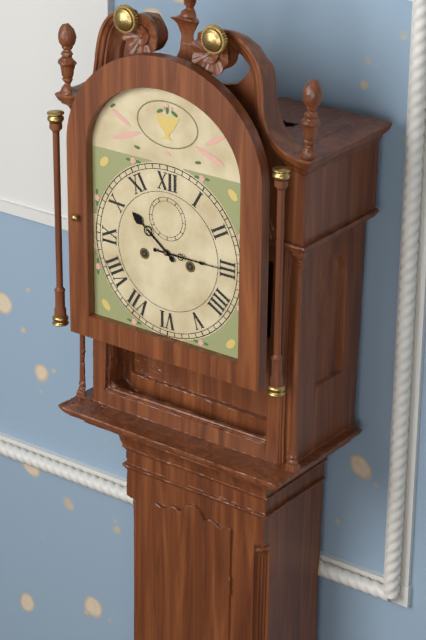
h=10 m=15
